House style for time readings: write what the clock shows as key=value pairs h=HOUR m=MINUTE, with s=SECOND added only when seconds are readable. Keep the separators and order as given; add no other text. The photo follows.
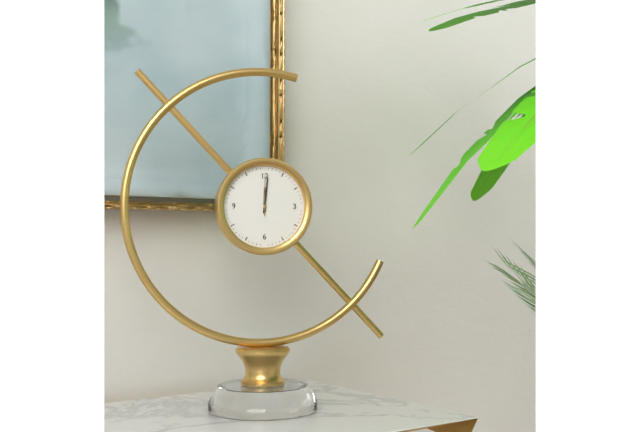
h=12 m=1
